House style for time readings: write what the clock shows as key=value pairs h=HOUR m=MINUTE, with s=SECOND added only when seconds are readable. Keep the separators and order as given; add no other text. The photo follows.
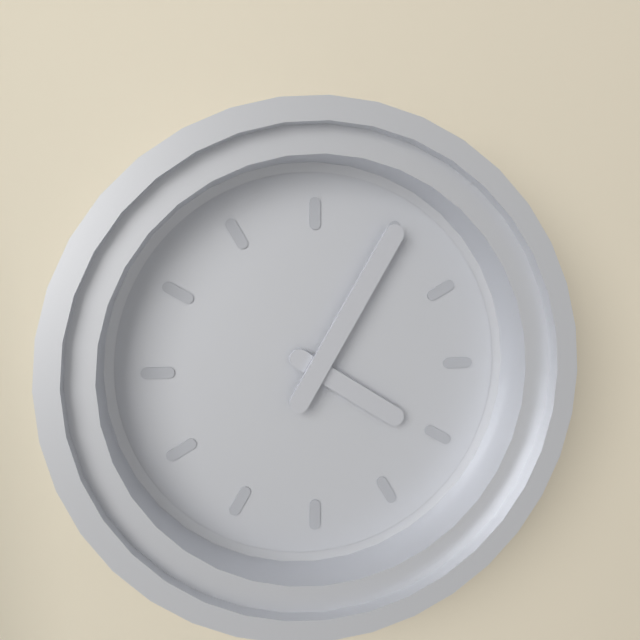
h=4 m=5
